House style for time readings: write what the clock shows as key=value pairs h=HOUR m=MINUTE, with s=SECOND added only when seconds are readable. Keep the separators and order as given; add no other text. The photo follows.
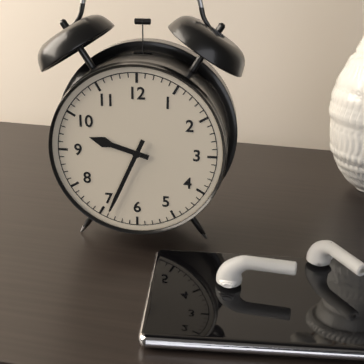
h=9 m=34
